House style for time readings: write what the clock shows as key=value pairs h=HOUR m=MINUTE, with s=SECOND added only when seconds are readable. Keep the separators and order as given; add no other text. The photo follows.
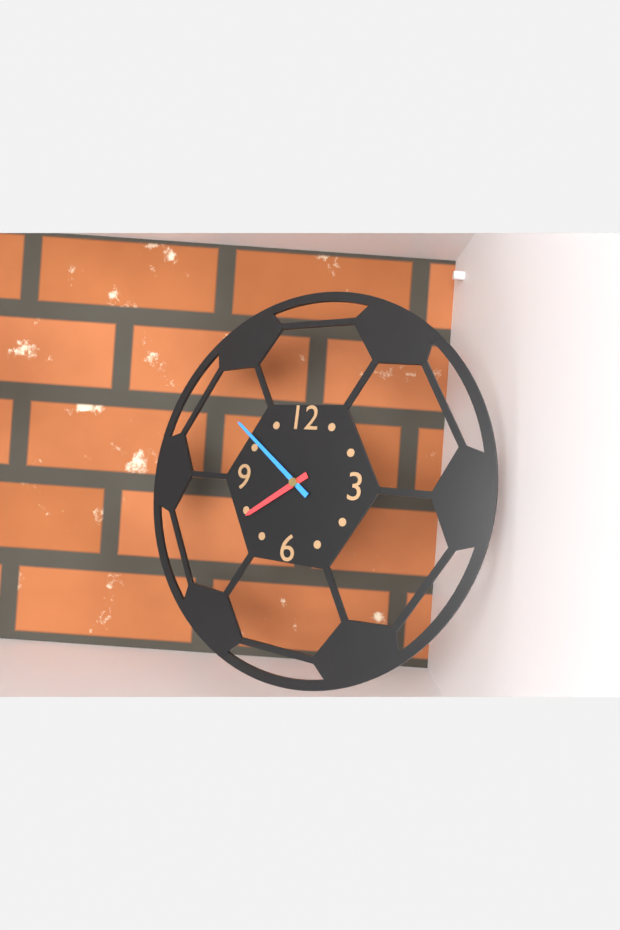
h=7 m=51
